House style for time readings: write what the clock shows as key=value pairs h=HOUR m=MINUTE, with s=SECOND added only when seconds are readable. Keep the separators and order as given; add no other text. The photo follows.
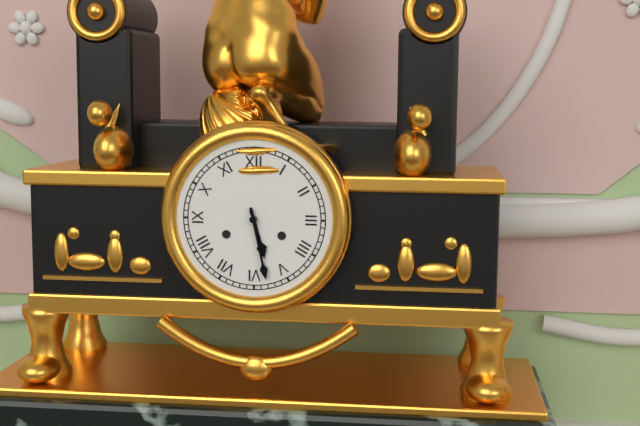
h=5 m=28
